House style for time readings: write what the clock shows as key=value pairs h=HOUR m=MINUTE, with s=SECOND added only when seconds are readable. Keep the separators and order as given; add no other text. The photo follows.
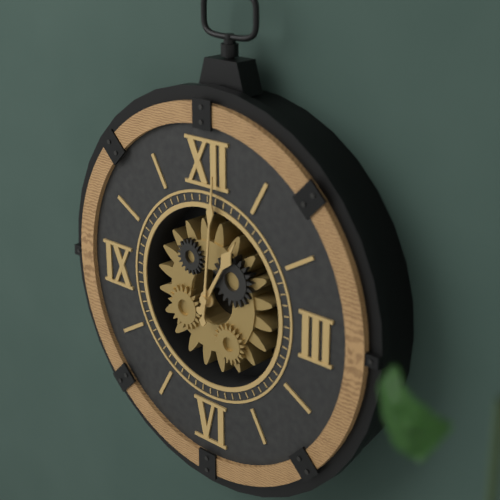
h=1 m=1
